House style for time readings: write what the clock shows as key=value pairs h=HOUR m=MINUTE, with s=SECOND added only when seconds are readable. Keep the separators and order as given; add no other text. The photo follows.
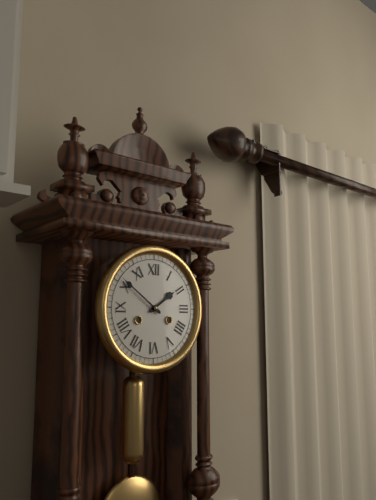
h=1 m=51
